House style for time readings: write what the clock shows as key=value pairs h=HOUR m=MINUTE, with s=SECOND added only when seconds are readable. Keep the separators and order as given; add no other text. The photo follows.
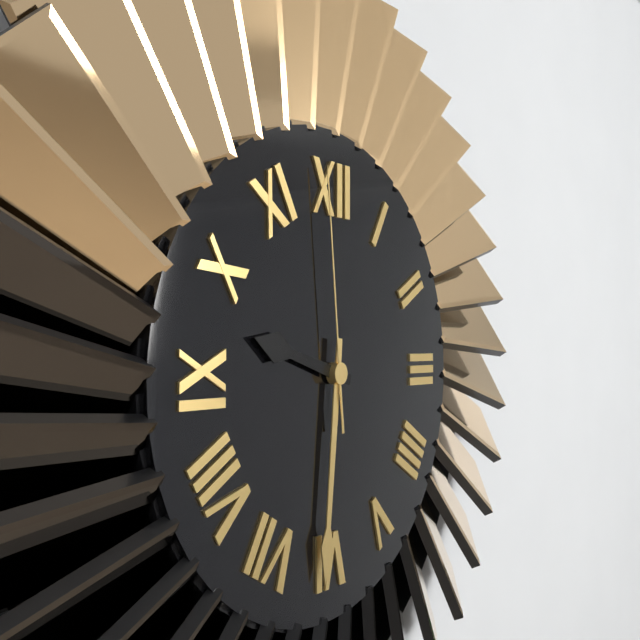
h=9 m=31 s=59
